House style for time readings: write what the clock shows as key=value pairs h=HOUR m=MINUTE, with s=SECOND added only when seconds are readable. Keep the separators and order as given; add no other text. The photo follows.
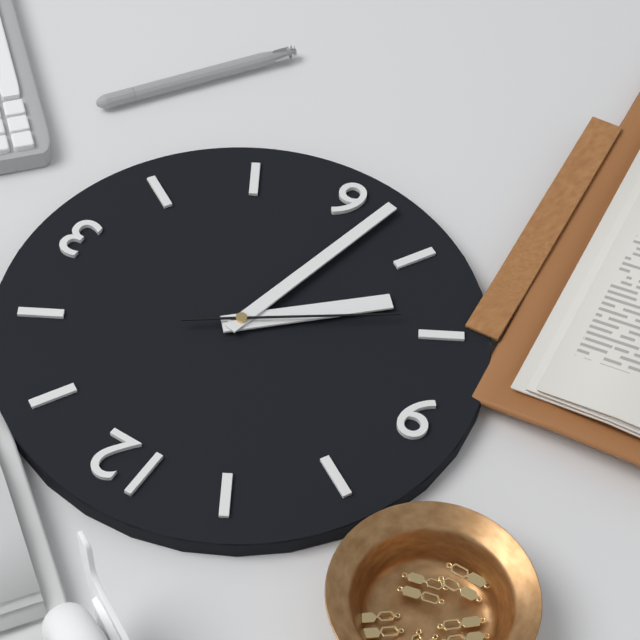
h=7 m=32 s=39
